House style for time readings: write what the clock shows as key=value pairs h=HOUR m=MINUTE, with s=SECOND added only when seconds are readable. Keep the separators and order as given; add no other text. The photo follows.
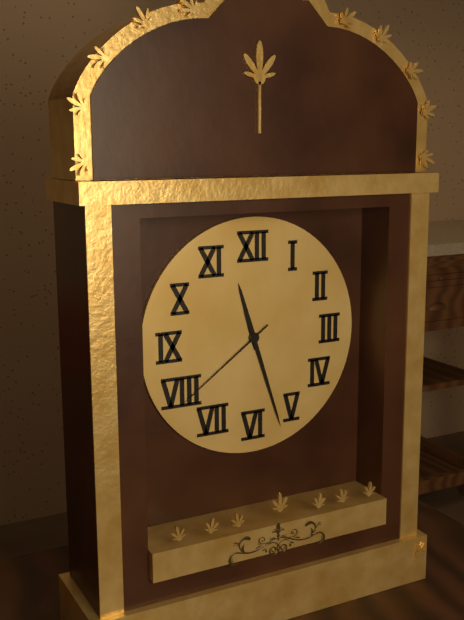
h=11 m=27 s=39
